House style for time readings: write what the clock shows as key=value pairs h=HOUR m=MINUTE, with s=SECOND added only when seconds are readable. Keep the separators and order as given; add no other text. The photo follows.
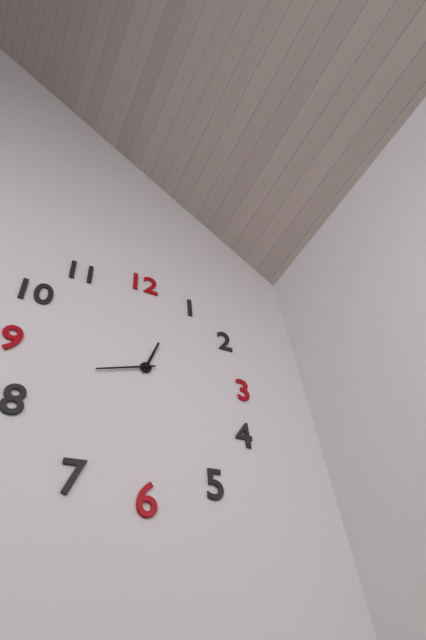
h=12 m=42
